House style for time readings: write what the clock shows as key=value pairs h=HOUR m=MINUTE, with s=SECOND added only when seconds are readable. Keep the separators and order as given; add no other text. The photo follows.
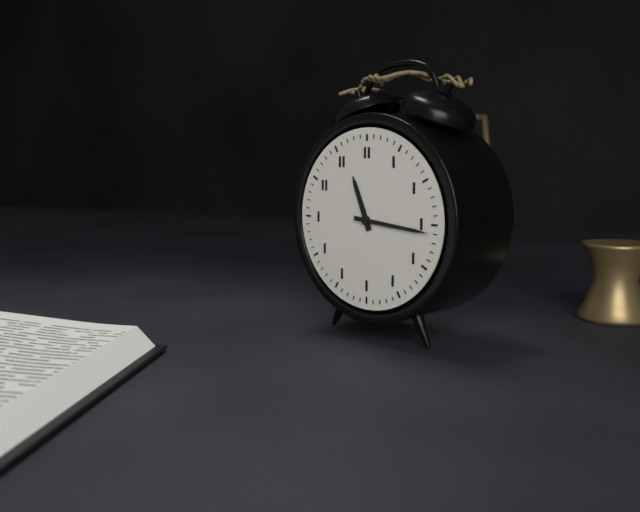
h=11 m=16
